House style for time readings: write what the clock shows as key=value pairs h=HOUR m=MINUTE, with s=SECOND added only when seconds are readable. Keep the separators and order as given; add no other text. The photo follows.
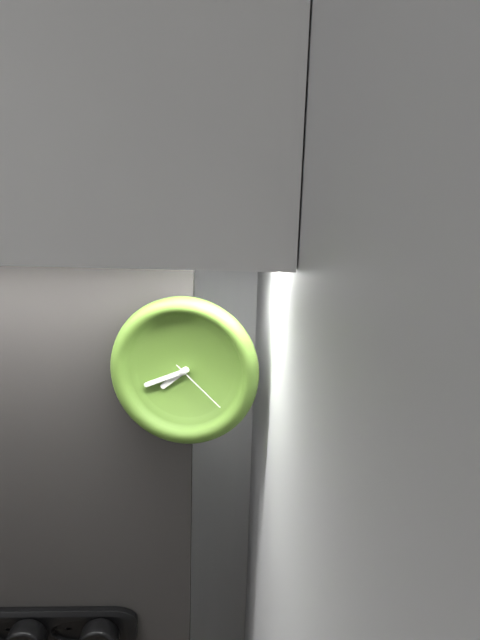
h=7 m=41 s=22
